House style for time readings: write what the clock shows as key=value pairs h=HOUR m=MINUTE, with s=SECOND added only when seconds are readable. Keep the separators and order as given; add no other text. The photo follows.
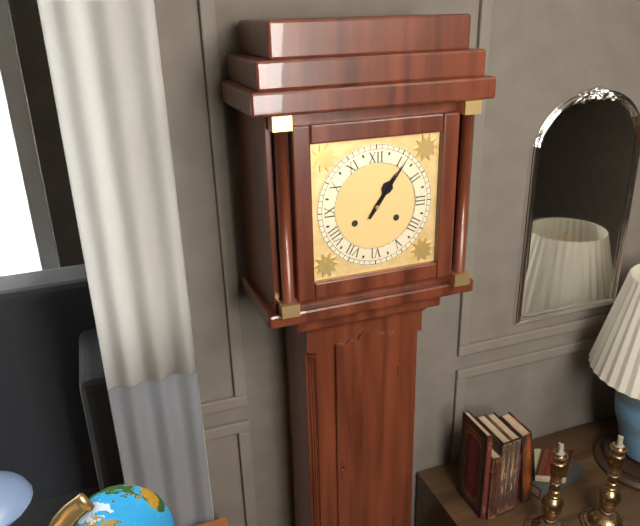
h=1 m=6
